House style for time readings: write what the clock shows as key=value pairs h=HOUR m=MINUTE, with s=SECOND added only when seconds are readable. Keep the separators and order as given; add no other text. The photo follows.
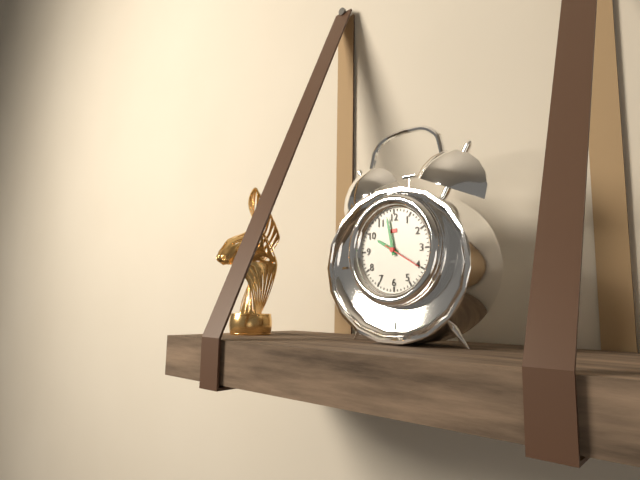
h=9 m=58
